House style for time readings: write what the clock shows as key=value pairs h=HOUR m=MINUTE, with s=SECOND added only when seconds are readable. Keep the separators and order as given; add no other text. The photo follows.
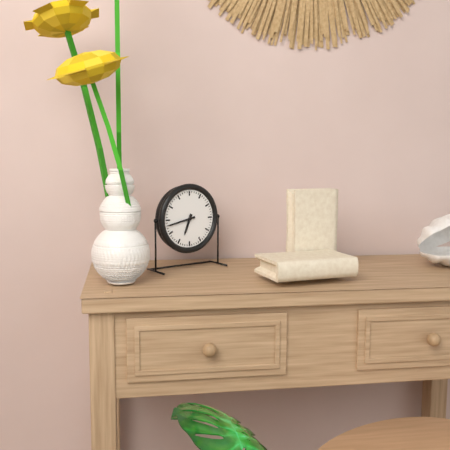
h=6 m=43
